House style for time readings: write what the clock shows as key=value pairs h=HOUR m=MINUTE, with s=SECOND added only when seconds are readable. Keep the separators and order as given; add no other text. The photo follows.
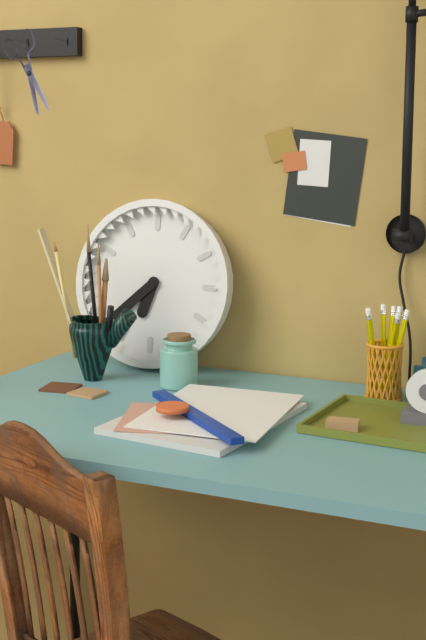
h=6 m=38
